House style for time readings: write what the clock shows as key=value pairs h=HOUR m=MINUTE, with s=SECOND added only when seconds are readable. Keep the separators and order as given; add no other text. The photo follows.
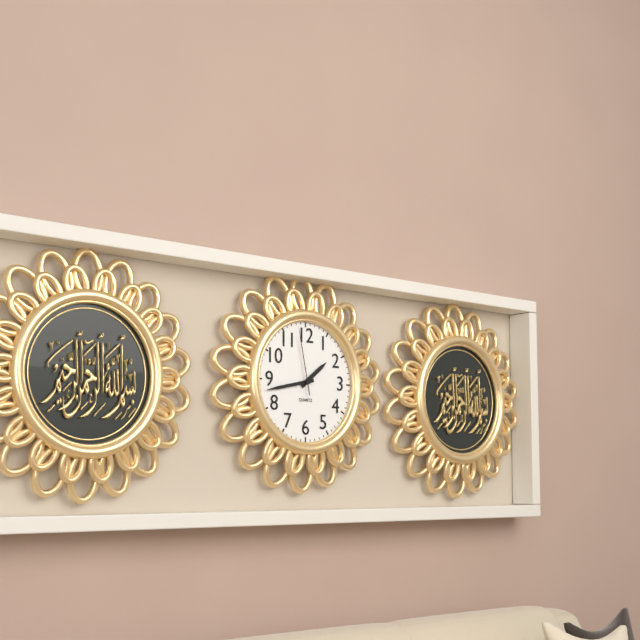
h=1 m=43 s=58
